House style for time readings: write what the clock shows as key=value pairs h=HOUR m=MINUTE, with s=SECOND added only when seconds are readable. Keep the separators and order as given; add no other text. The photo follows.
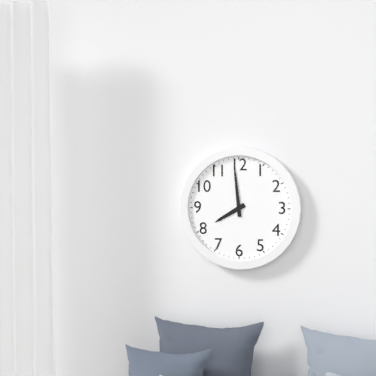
h=7 m=59
